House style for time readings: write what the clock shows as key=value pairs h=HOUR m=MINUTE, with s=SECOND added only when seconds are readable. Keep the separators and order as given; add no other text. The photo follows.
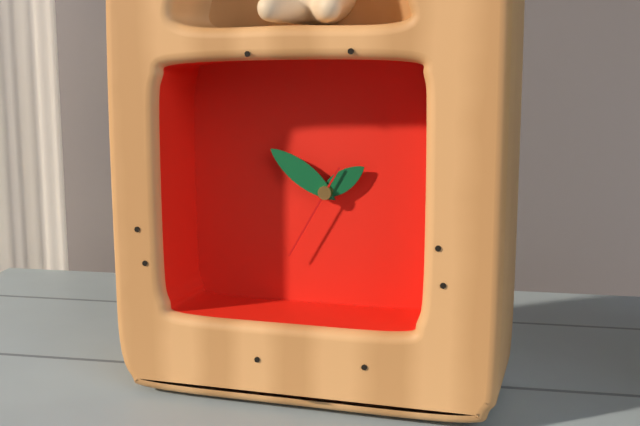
h=1 m=51 s=35
